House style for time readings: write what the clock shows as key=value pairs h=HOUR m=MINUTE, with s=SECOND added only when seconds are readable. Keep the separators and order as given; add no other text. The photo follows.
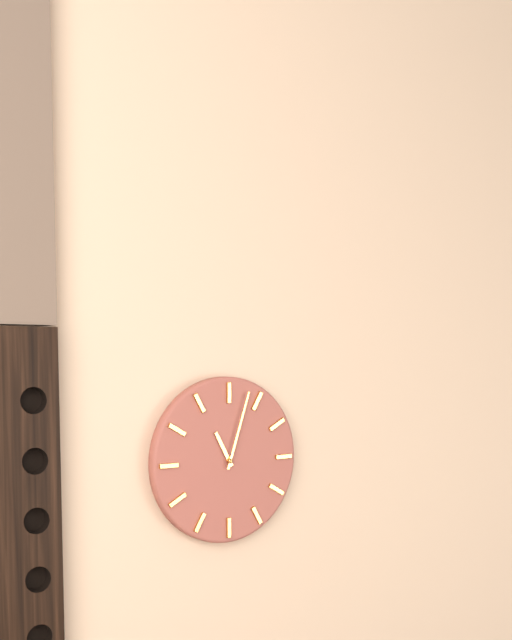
h=11 m=3
